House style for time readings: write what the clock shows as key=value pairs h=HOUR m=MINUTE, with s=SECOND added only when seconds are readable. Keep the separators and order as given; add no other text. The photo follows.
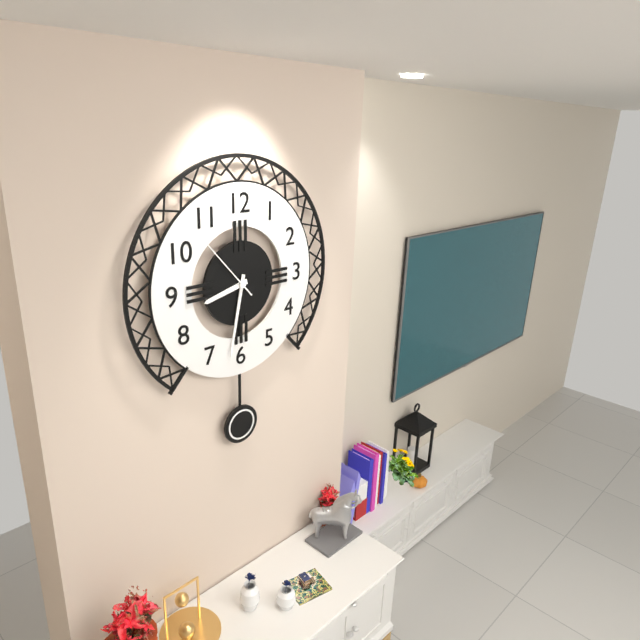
h=8 m=32 s=53
